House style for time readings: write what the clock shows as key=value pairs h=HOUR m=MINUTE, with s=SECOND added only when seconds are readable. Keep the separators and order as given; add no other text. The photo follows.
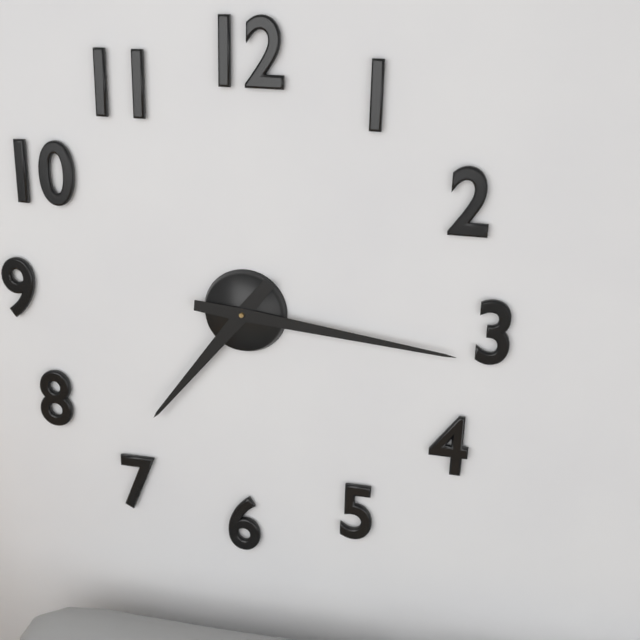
h=7 m=16
